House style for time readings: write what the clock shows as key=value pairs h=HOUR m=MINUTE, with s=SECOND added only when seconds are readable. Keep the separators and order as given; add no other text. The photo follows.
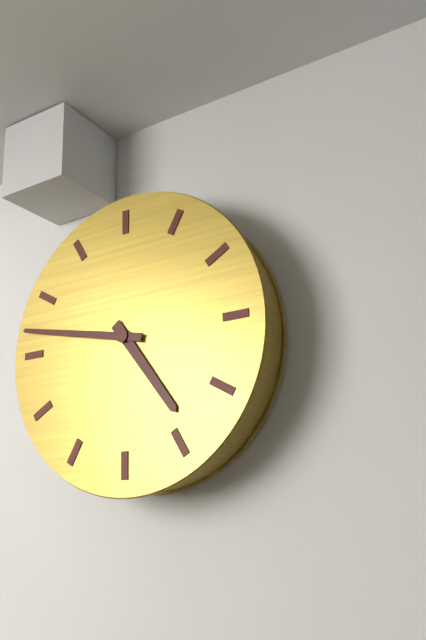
h=4 m=47
